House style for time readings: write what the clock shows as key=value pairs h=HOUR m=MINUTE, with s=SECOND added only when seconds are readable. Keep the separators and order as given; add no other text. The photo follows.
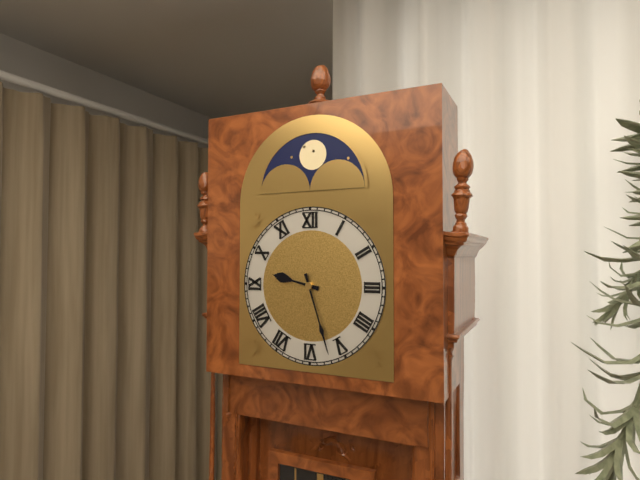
h=9 m=27
